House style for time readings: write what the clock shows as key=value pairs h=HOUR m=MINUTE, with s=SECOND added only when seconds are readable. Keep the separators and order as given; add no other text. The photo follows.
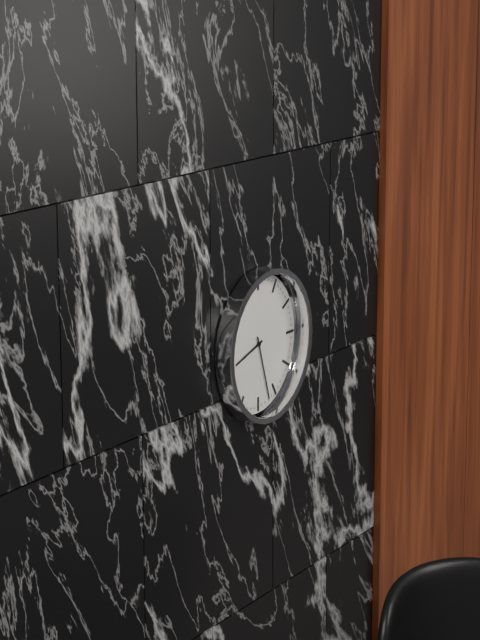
h=8 m=27
